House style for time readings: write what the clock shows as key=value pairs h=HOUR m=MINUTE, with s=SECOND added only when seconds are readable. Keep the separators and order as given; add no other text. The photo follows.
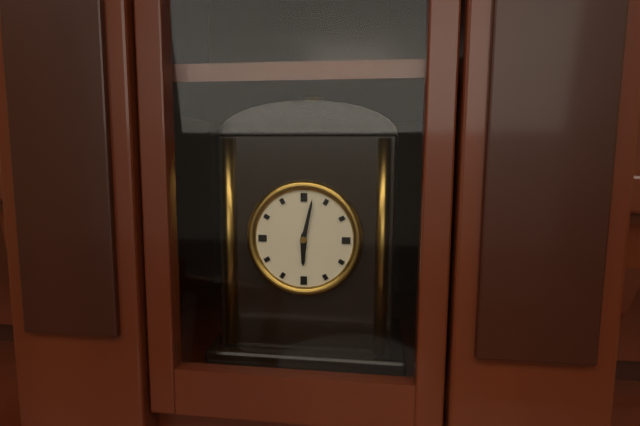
h=6 m=2
